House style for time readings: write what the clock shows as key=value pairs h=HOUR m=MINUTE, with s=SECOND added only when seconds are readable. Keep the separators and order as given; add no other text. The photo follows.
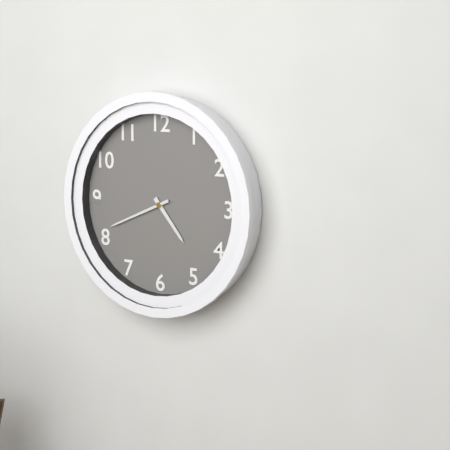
h=4 m=41
